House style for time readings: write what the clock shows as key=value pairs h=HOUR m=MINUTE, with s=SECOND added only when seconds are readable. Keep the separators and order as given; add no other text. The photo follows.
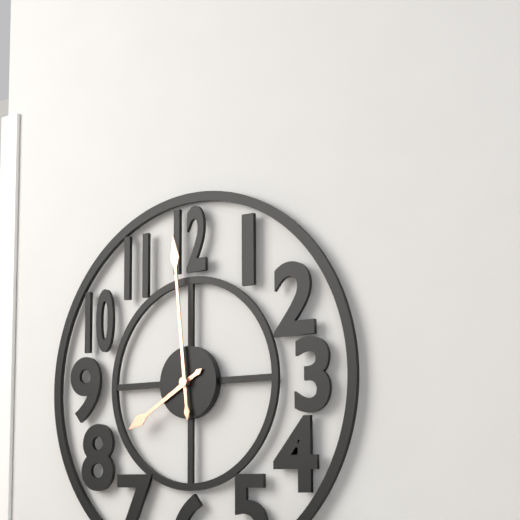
h=7 m=59
